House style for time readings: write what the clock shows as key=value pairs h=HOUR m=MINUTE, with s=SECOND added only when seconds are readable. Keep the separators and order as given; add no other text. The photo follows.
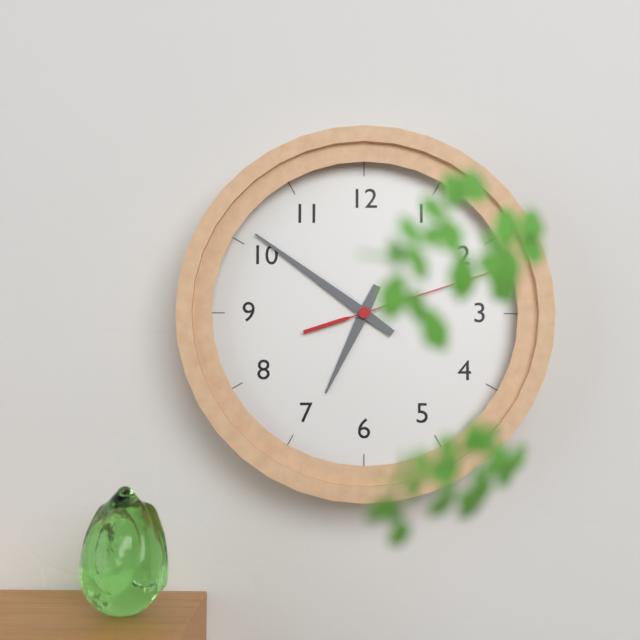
h=6 m=51 s=12
